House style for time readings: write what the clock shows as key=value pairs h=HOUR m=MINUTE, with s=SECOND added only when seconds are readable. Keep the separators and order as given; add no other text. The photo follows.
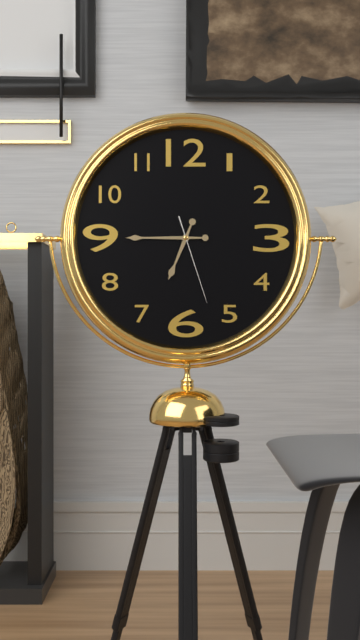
h=6 m=45 s=27
